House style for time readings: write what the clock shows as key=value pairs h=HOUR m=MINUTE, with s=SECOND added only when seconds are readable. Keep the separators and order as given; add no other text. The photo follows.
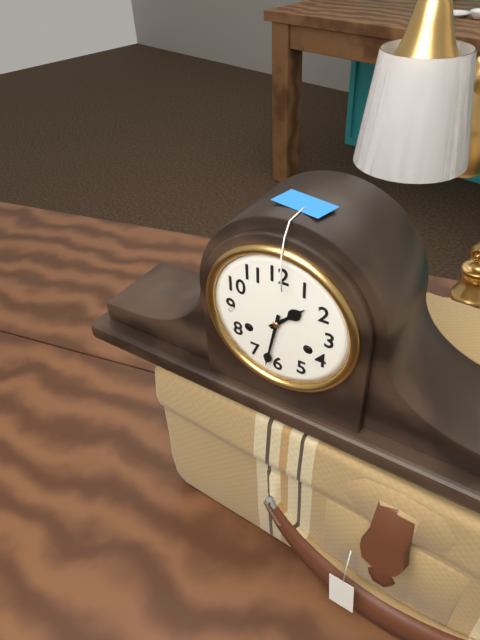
h=1 m=32
